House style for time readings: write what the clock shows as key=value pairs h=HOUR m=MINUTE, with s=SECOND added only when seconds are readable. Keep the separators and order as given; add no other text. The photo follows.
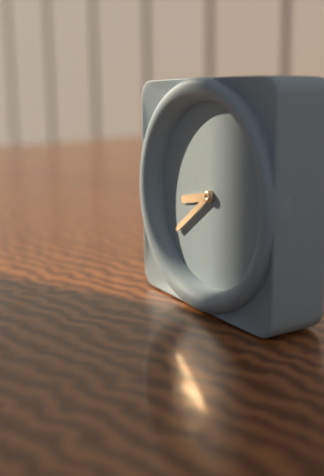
h=8 m=39
